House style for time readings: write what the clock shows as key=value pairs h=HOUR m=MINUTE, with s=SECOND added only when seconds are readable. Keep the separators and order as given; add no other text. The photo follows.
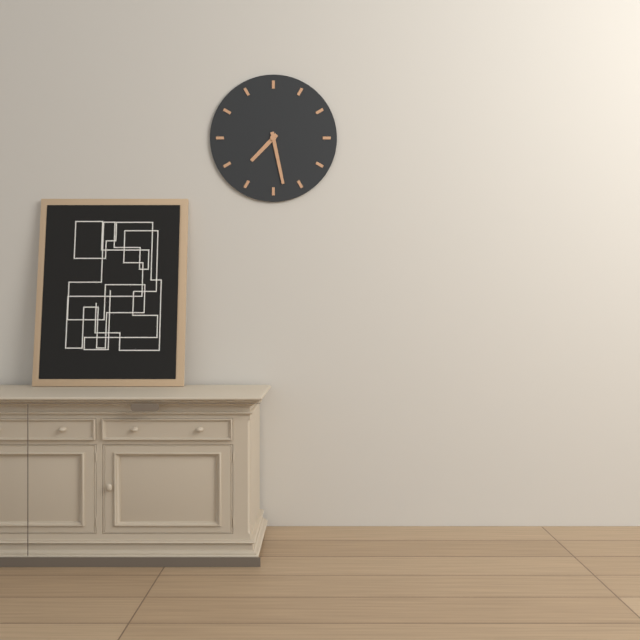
h=7 m=28
